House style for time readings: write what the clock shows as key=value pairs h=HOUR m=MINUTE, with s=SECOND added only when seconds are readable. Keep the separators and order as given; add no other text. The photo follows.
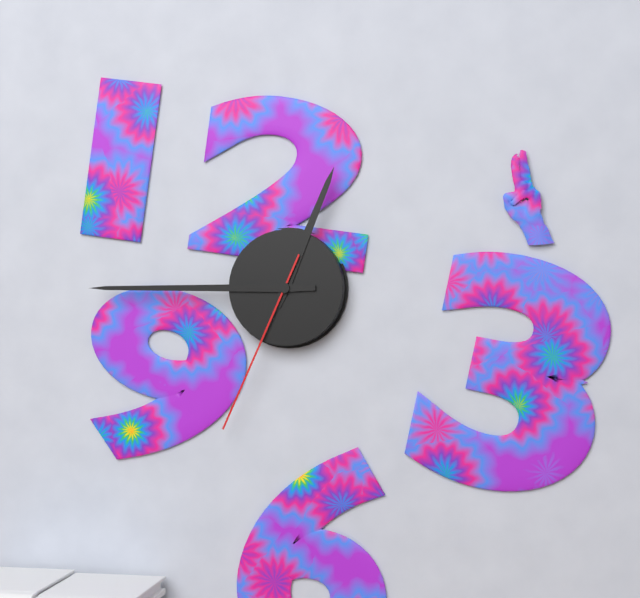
h=12 m=45 s=34
